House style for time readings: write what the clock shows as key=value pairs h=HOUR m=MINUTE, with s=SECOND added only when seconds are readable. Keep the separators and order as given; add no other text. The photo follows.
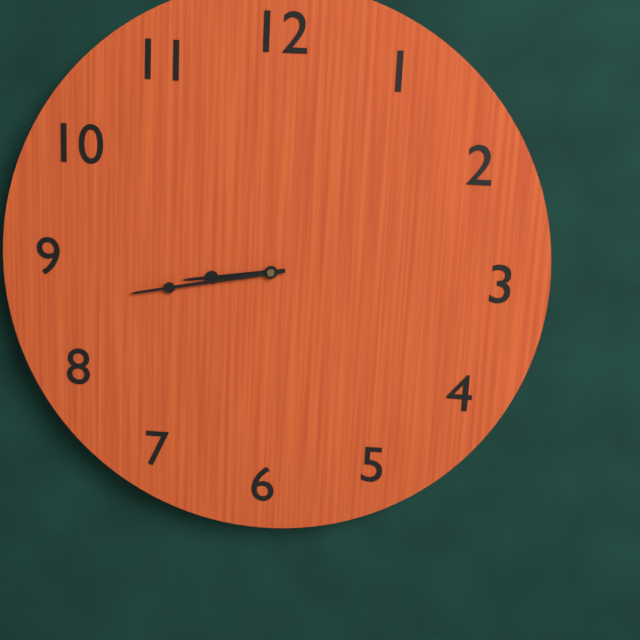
h=8 m=43
